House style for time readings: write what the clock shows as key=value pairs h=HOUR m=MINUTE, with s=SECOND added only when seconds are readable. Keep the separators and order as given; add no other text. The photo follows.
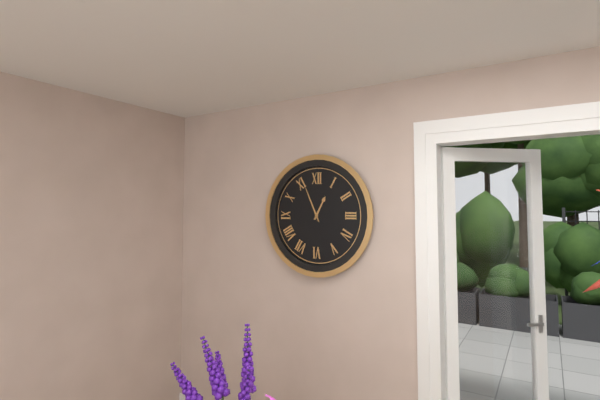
h=12 m=56
